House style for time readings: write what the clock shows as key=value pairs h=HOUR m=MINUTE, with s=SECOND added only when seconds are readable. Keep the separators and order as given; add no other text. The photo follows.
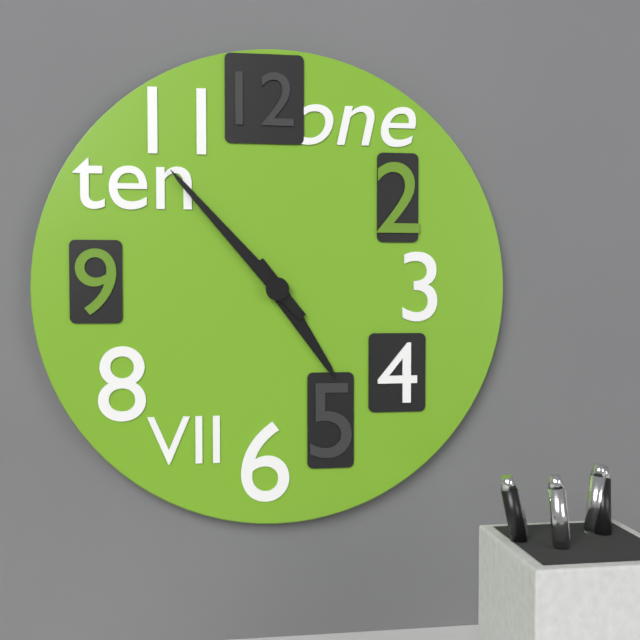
h=4 m=53
